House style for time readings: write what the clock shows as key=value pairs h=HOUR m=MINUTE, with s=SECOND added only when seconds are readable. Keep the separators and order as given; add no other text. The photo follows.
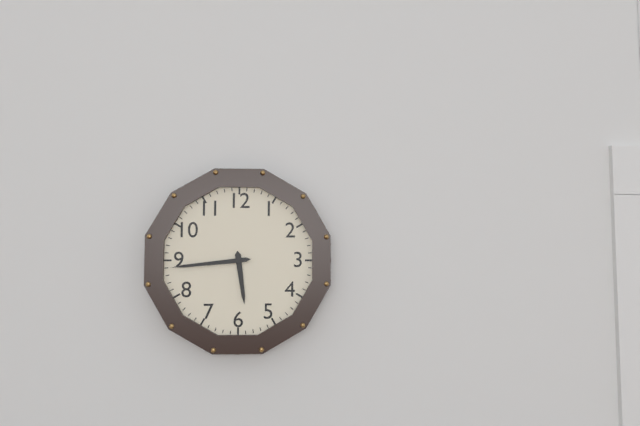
h=5 m=44
